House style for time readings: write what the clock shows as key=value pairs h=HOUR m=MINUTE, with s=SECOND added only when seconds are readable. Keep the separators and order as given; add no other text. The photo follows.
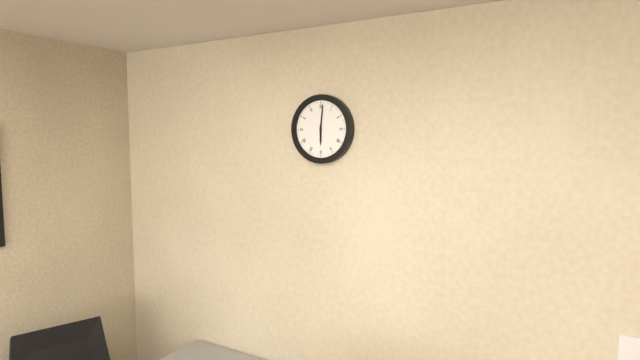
h=6 m=1
